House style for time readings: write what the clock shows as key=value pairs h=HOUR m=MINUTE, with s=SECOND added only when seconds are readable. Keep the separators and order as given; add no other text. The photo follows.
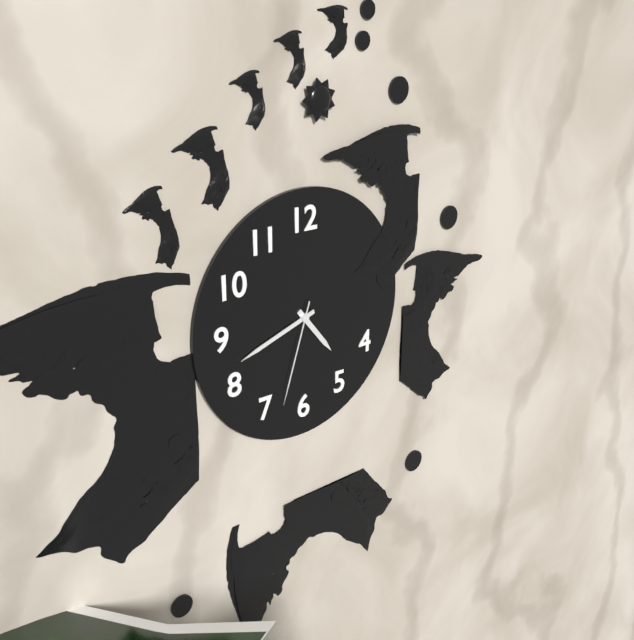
h=4 m=42 s=33
